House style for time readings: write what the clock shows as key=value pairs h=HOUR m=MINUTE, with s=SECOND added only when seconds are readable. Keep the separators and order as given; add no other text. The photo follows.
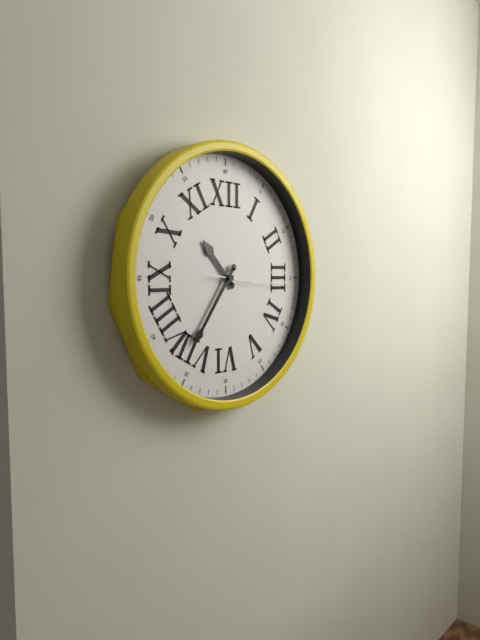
h=10 m=36 s=16
